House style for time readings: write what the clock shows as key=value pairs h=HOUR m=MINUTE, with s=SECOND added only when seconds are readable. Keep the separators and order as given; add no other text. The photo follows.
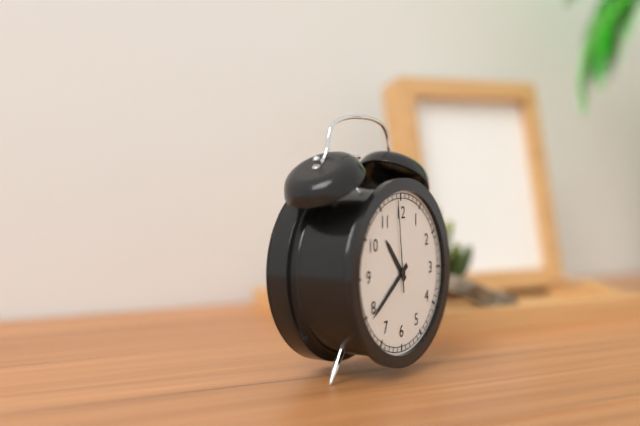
h=10 m=39 s=59
